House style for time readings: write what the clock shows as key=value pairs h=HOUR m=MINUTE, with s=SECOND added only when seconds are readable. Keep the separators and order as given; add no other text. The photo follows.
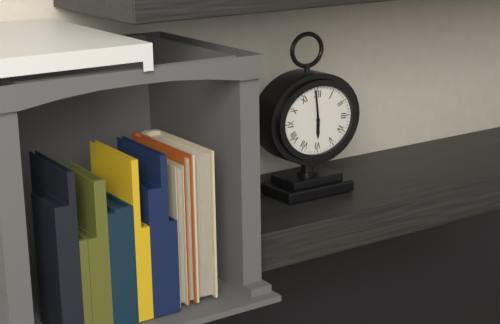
h=5 m=59
